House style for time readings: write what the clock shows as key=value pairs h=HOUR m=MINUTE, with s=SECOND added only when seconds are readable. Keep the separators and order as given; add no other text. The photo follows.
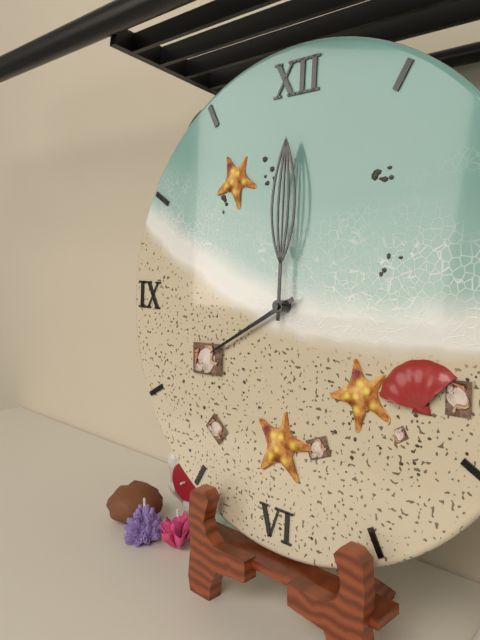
h=8 m=0
